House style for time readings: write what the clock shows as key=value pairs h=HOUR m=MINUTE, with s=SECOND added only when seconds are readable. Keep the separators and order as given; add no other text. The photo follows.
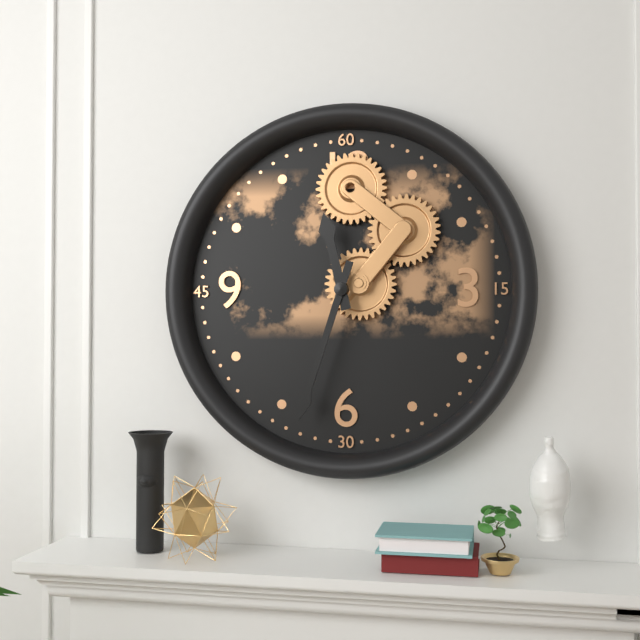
h=11 m=33
